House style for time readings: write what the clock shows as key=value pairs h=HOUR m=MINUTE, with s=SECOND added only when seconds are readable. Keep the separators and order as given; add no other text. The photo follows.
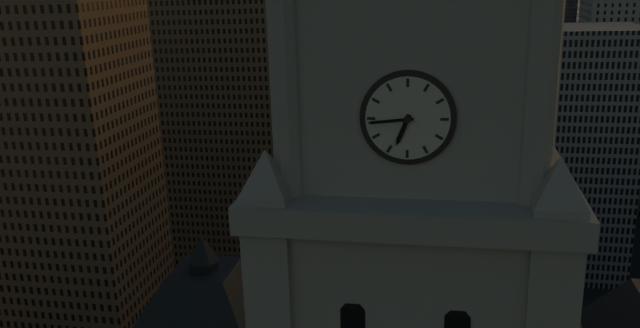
h=6 m=44
